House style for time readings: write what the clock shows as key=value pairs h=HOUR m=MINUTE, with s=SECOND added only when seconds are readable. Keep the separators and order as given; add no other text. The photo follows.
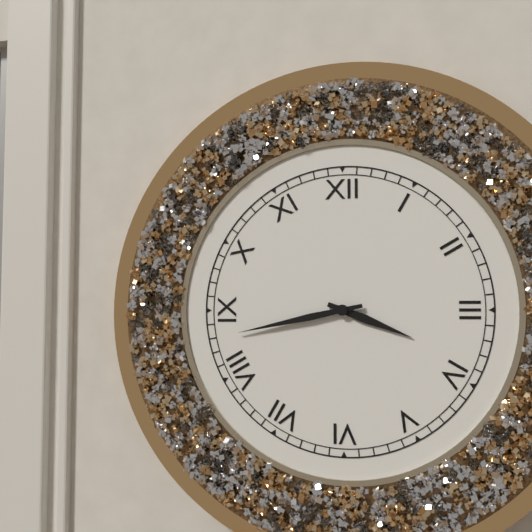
h=3 m=43
